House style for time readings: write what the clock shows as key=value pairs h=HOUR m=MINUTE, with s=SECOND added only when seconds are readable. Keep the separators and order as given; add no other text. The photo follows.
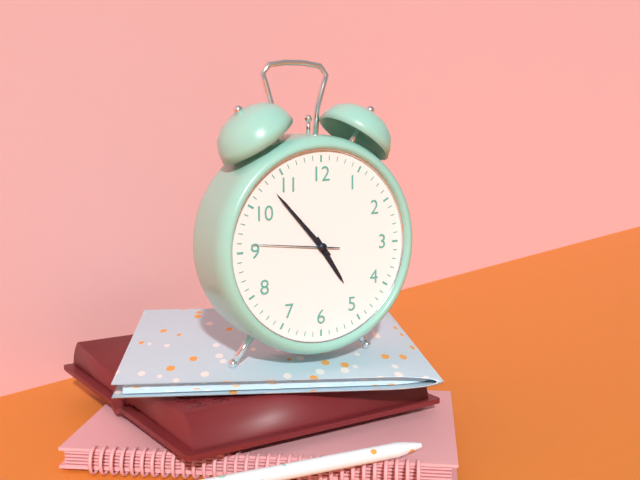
h=4 m=53 s=46
